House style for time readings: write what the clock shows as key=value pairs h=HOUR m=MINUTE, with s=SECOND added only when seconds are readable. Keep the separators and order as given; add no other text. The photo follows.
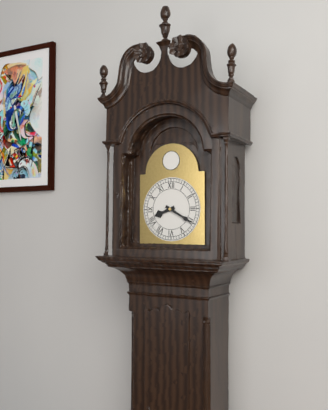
h=8 m=20
